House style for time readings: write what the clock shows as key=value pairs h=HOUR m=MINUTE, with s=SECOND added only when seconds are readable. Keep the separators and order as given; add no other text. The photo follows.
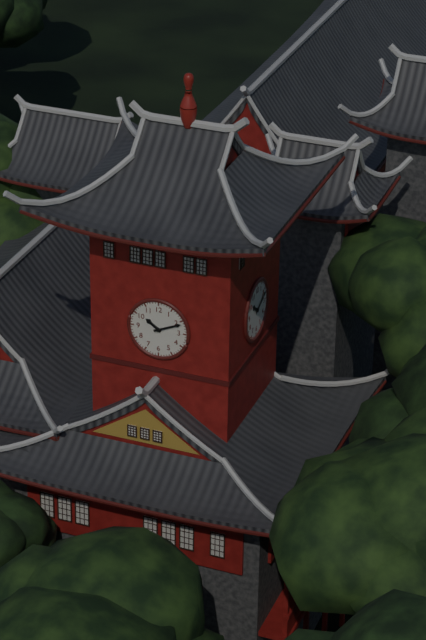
h=10 m=11
